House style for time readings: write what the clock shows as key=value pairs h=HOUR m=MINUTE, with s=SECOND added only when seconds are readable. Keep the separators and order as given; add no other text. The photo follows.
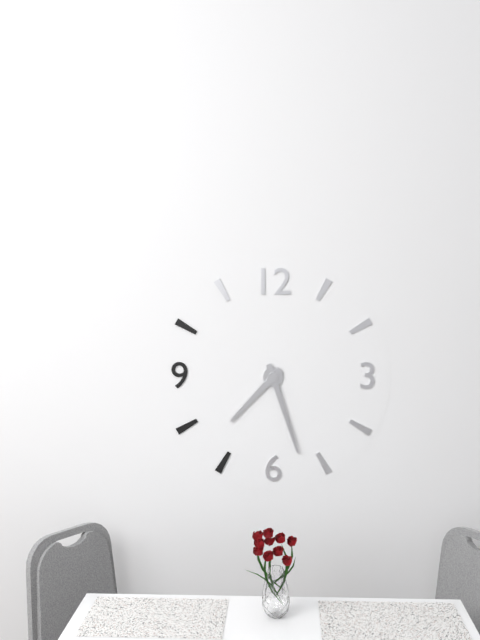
h=7 m=27
